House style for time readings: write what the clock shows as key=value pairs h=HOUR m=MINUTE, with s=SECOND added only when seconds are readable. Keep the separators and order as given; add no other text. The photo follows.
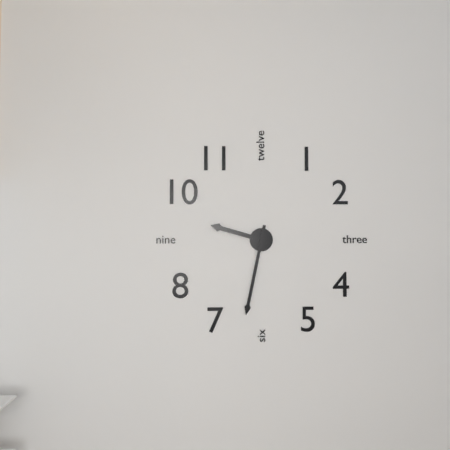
h=9 m=32
